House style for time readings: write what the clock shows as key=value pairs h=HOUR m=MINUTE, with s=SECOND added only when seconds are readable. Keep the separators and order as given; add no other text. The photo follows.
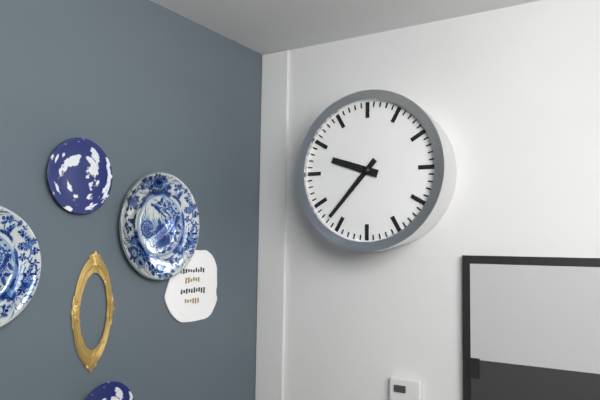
h=9 m=37
